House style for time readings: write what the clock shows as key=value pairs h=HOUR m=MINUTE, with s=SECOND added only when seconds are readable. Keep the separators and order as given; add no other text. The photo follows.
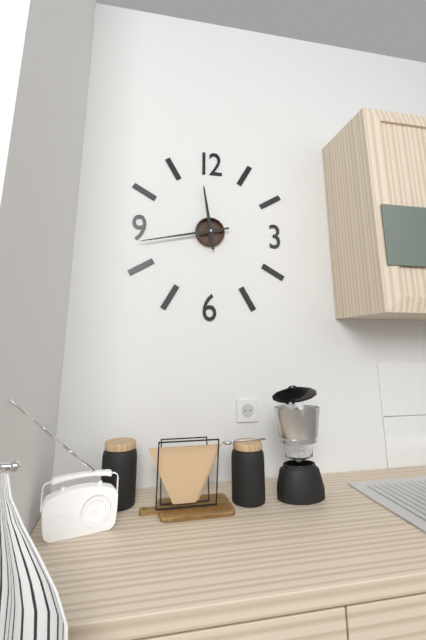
h=11 m=43
